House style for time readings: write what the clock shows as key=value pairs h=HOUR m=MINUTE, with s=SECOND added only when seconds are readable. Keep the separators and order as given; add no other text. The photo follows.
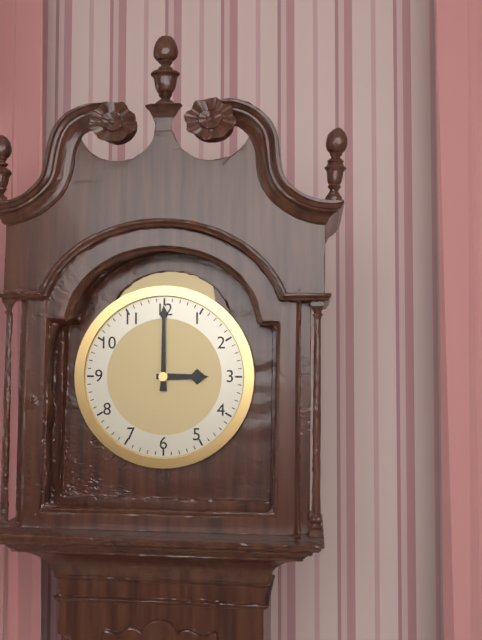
h=3 m=0
